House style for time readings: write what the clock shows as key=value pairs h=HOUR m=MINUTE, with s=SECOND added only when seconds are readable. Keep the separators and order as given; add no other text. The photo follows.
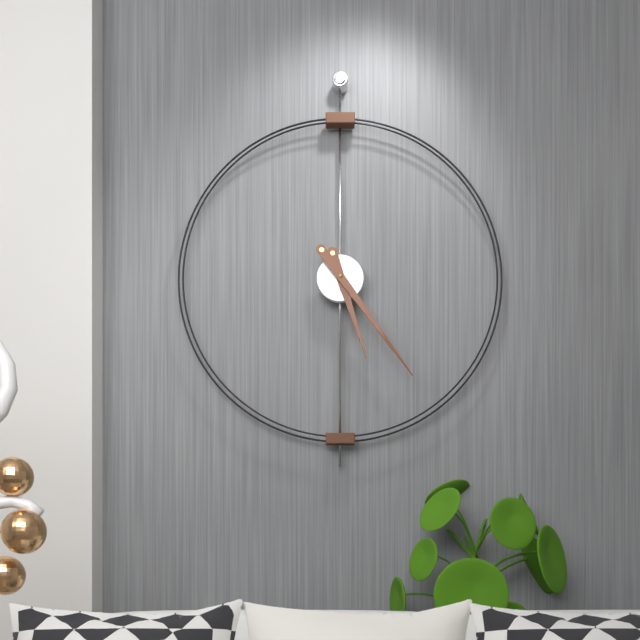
h=5 m=24
